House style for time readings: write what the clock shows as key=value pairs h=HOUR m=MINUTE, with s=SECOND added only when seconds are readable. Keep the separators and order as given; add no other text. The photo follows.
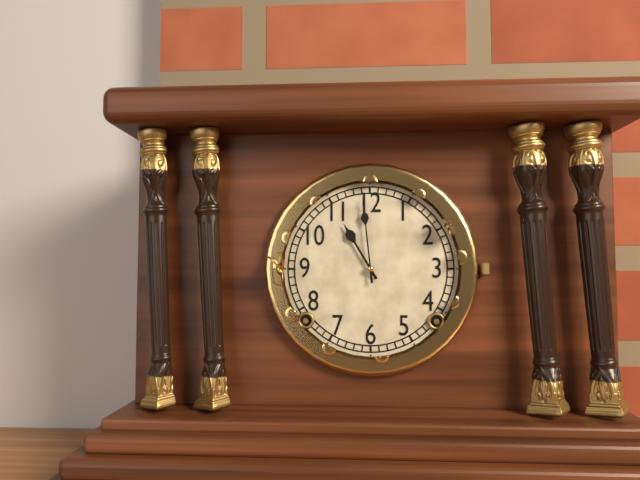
h=10 m=59
